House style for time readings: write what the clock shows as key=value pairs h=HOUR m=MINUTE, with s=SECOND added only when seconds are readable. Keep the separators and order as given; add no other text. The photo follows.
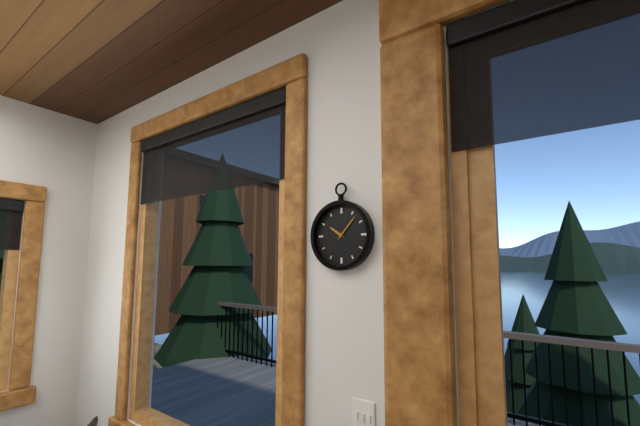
h=10 m=7
